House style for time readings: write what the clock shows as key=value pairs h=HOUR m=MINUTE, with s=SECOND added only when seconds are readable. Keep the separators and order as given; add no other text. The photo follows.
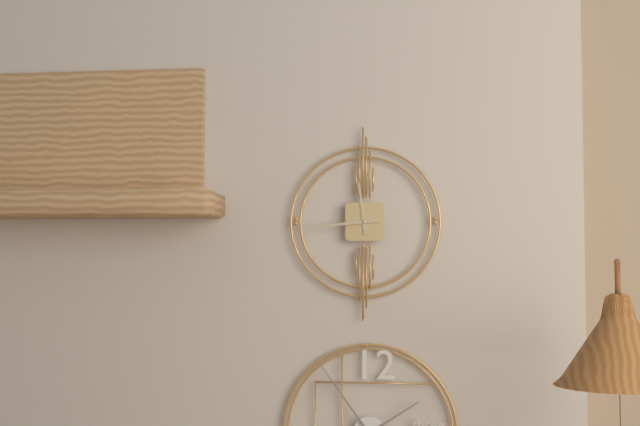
h=11 m=44
